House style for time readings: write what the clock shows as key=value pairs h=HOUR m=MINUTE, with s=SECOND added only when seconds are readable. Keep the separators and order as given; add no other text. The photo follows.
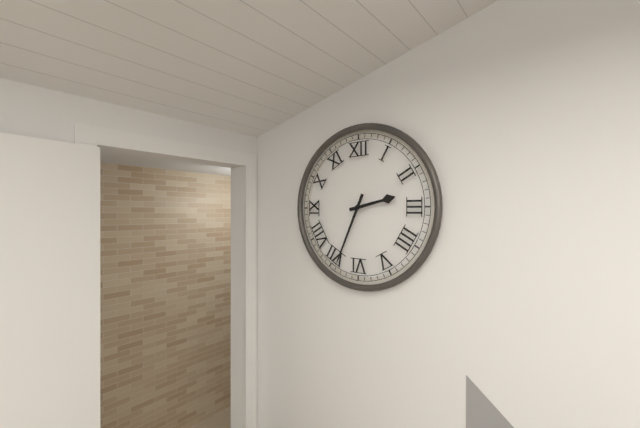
h=2 m=34
